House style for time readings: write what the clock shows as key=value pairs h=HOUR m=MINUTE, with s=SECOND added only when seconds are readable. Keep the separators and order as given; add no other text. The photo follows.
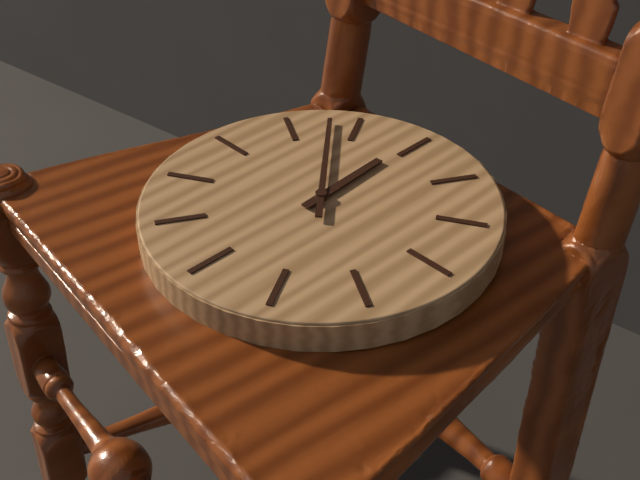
h=11 m=53
